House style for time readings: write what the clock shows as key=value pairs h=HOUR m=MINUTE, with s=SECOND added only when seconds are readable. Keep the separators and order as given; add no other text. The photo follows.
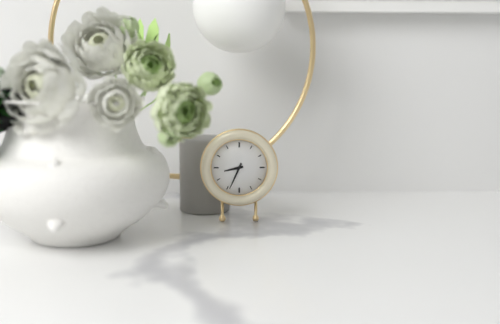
h=8 m=34
